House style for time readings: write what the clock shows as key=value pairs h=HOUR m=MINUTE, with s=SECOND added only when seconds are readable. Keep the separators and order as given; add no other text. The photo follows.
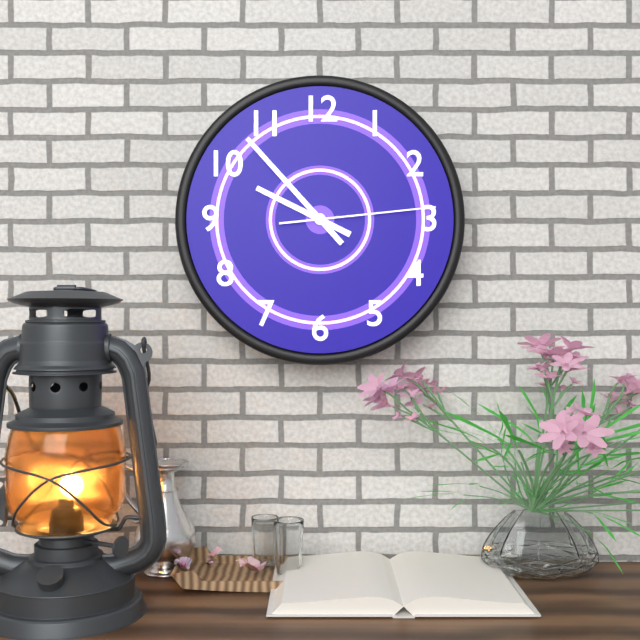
h=9 m=53 s=14
